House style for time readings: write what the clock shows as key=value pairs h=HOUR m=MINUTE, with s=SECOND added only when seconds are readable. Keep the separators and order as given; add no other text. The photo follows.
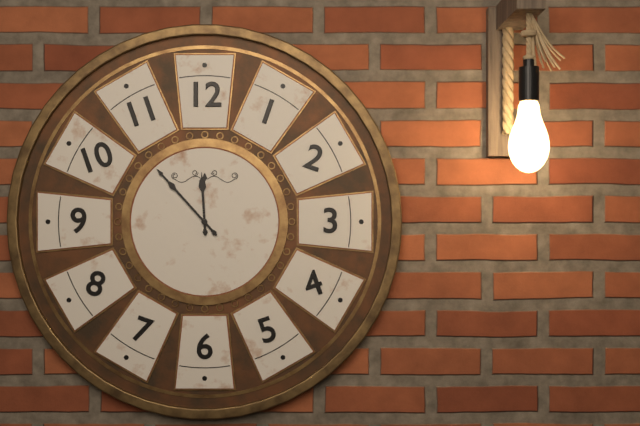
h=11 m=53
